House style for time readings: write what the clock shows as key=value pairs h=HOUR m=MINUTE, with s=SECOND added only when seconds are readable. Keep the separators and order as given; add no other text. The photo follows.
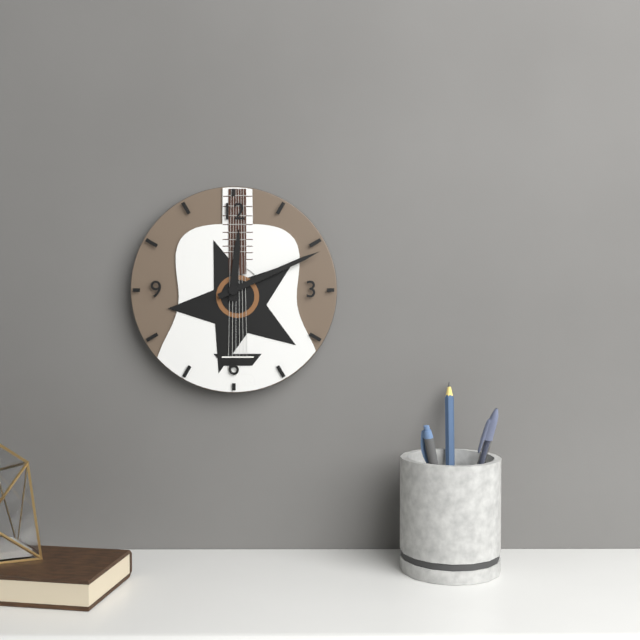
h=12 m=11
